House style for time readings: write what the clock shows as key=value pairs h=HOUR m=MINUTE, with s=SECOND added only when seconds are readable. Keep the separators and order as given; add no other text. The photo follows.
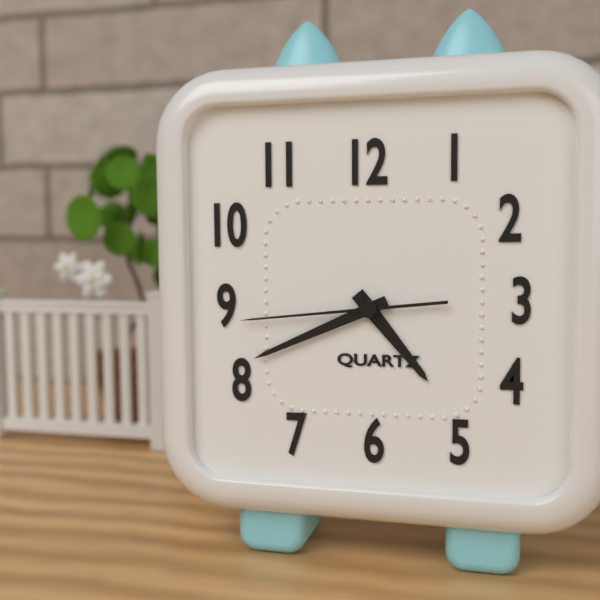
h=4 m=41 s=44
